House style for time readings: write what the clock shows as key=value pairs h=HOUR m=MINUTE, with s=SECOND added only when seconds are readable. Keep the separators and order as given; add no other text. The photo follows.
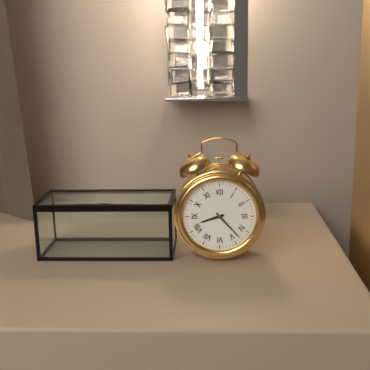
h=8 m=23
